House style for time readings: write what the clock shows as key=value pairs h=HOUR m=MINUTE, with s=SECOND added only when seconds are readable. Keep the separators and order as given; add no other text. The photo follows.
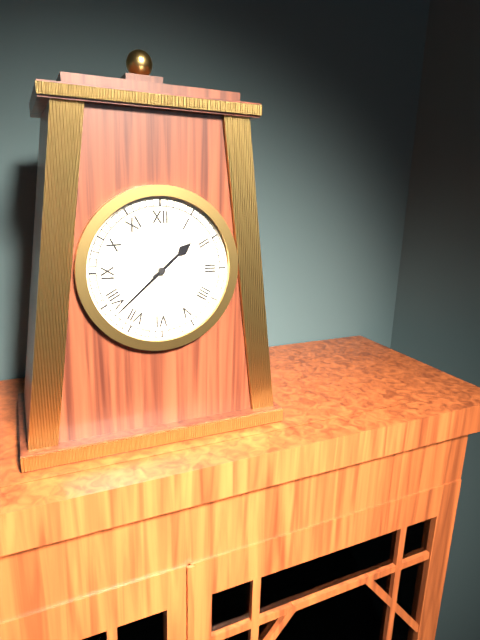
h=1 m=38
